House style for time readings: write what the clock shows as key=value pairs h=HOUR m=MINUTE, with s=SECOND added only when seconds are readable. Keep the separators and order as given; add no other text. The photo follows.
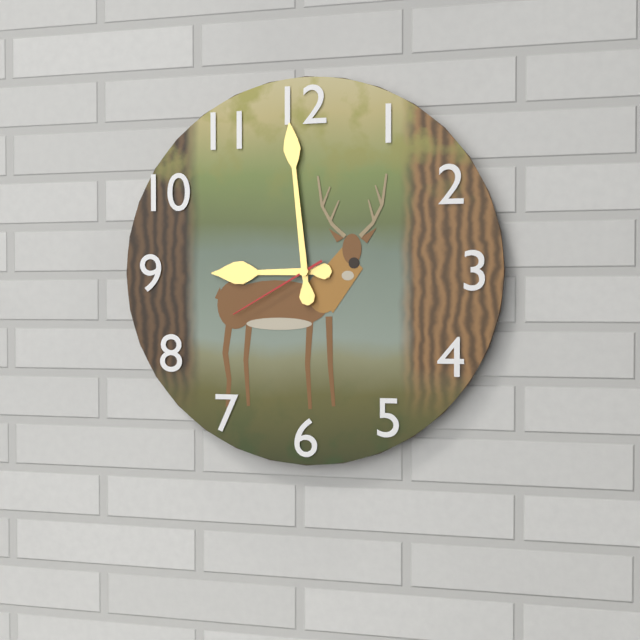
h=8 m=59 s=40
